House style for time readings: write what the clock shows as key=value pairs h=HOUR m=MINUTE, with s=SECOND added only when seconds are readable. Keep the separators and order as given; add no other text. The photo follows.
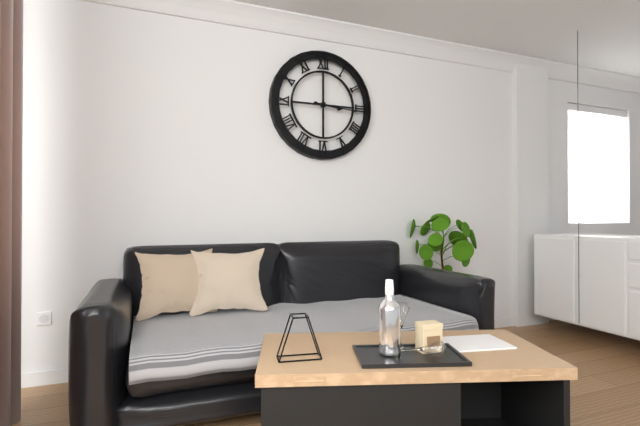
h=3 m=16
